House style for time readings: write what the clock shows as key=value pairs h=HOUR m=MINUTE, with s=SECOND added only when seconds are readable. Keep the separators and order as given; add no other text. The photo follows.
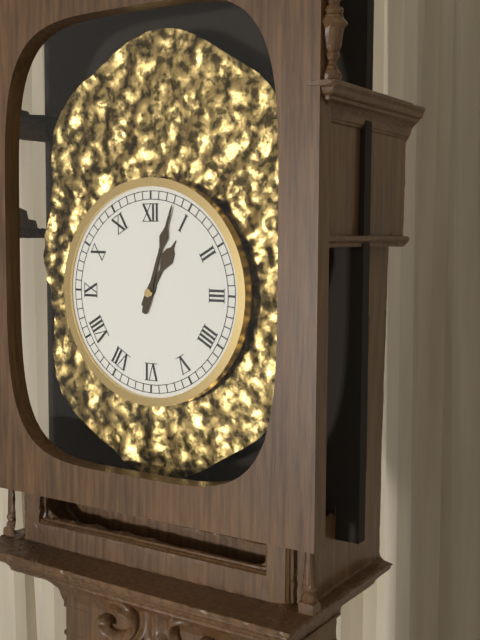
h=1 m=3
